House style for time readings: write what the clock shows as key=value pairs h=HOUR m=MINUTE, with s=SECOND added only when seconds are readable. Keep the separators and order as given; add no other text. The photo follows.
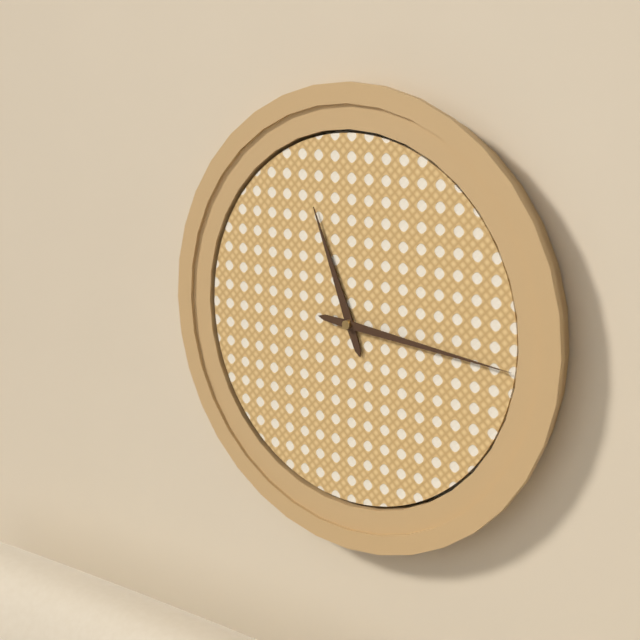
h=11 m=16
